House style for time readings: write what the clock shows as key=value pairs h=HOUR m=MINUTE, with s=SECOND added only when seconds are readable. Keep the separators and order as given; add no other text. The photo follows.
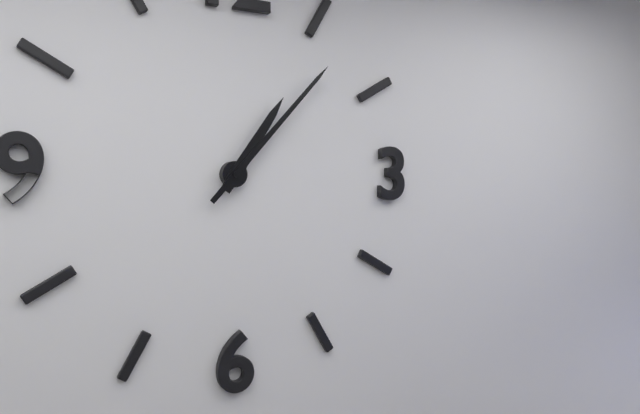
h=1 m=7
